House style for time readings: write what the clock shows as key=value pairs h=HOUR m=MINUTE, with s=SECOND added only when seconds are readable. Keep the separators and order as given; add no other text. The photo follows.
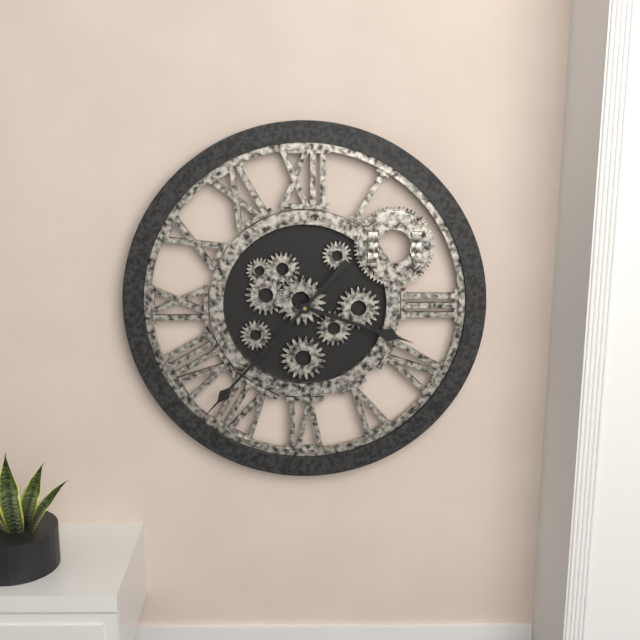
h=3 m=37
